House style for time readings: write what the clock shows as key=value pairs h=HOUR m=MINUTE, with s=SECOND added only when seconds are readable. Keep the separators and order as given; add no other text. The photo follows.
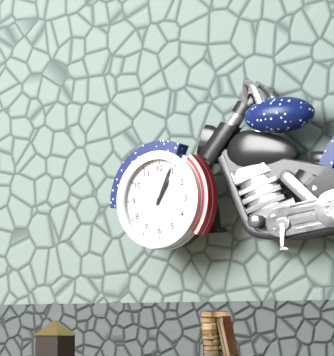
h=1 m=4
